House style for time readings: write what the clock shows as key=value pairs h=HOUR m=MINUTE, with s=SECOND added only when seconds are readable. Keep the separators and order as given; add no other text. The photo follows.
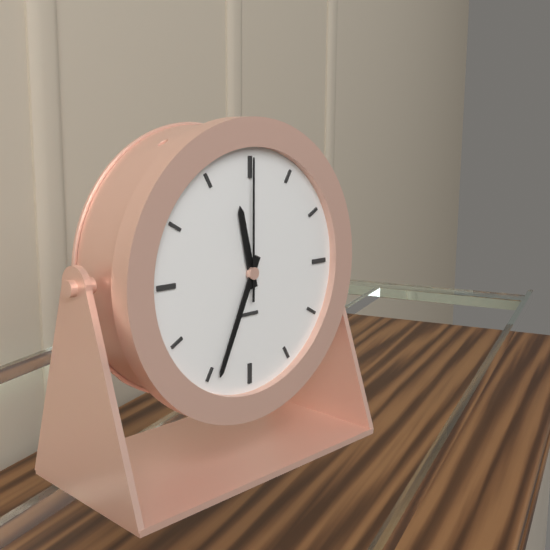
h=11 m=34 s=0
